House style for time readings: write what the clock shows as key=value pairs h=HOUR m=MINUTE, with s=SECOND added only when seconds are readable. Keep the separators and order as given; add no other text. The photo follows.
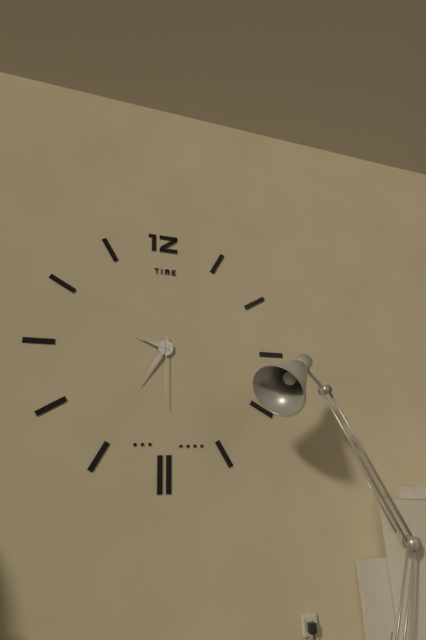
h=9 m=36 s=30
